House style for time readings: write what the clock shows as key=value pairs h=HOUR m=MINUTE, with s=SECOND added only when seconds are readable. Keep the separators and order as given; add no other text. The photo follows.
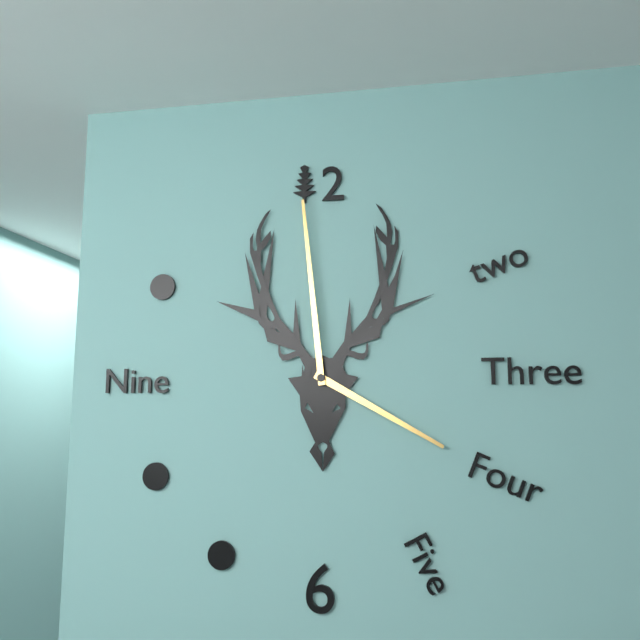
h=3 m=59
